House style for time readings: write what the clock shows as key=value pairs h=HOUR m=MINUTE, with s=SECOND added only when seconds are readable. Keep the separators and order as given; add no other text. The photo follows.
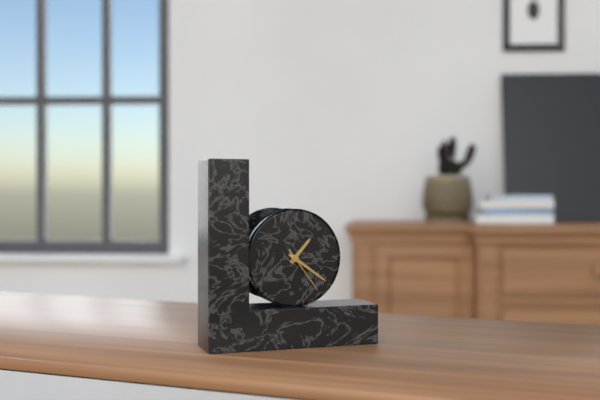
h=1 m=21 s=24
